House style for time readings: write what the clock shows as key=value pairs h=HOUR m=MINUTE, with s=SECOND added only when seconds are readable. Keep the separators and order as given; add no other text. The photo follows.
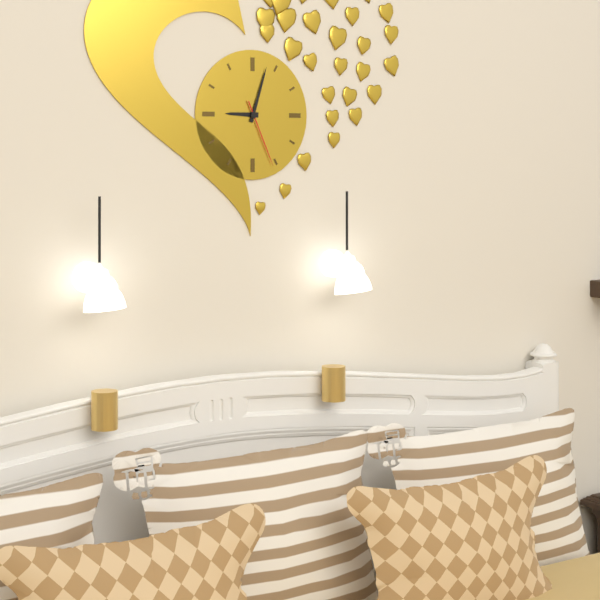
h=9 m=3 s=26
